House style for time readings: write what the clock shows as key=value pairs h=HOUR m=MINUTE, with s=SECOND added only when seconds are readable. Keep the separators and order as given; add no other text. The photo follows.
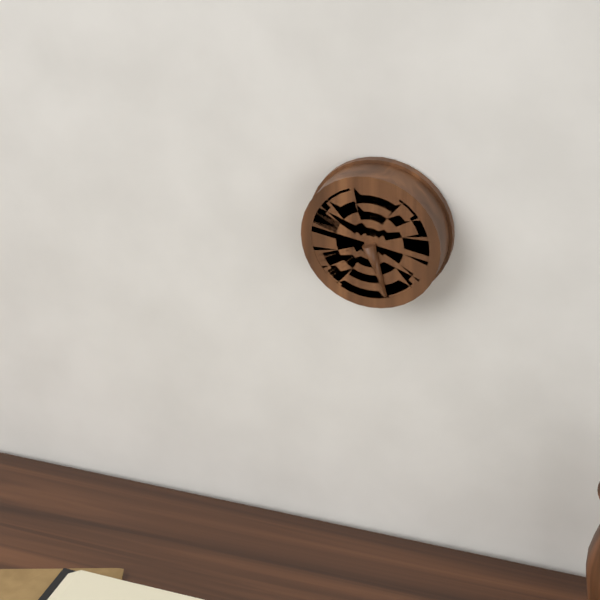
h=5 m=27
